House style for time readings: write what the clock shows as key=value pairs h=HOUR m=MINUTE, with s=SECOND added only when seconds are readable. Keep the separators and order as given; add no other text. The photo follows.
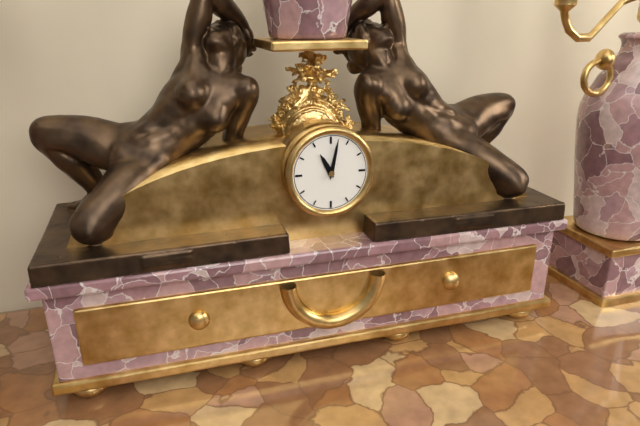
h=11 m=2
